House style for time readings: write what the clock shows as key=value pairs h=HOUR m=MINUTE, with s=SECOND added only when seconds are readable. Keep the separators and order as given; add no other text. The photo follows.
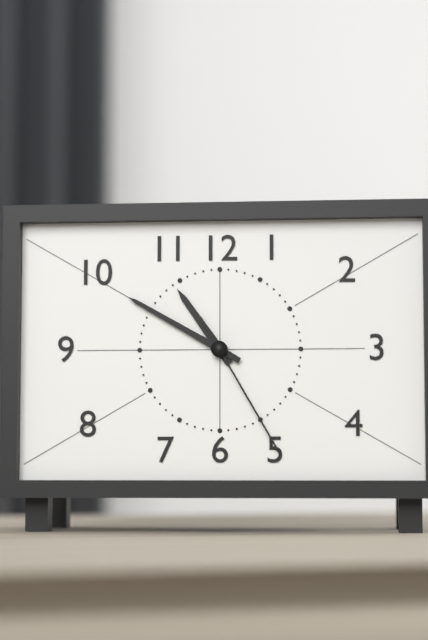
h=10 m=50 s=25
